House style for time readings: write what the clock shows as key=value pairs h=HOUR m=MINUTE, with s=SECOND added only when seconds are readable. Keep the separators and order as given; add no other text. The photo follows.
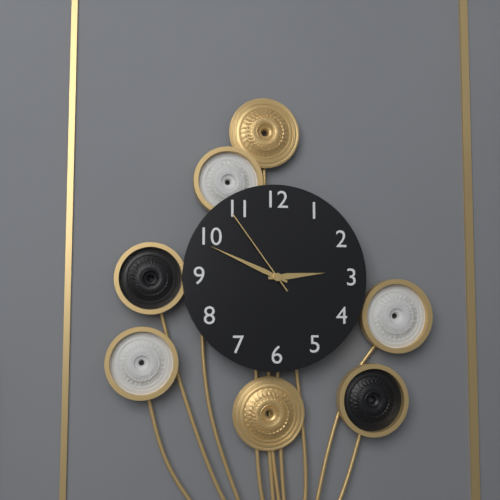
h=2 m=49 s=54
